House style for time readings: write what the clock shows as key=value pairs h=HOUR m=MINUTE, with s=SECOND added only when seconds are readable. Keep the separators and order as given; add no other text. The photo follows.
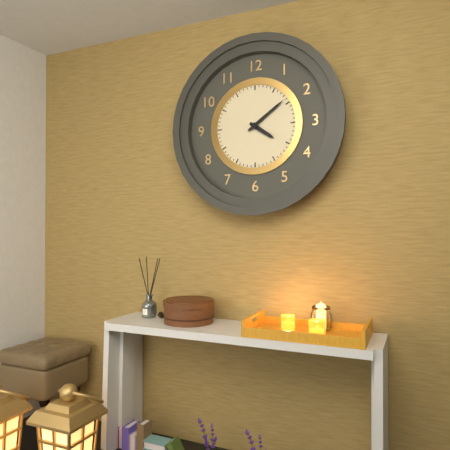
h=4 m=9
